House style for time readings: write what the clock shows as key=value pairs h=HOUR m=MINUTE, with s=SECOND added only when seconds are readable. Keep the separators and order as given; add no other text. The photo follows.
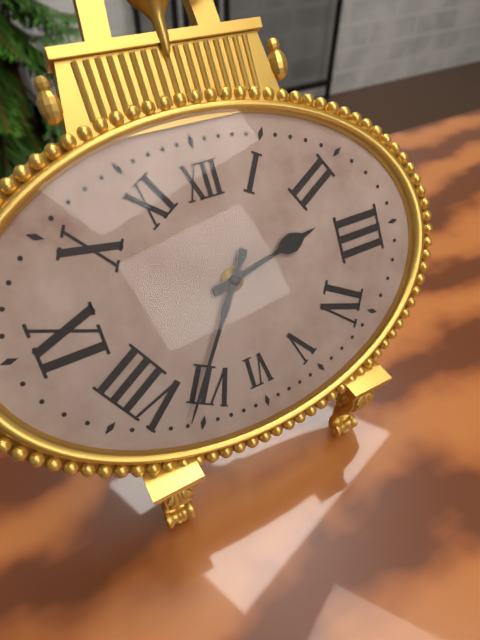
h=2 m=36
